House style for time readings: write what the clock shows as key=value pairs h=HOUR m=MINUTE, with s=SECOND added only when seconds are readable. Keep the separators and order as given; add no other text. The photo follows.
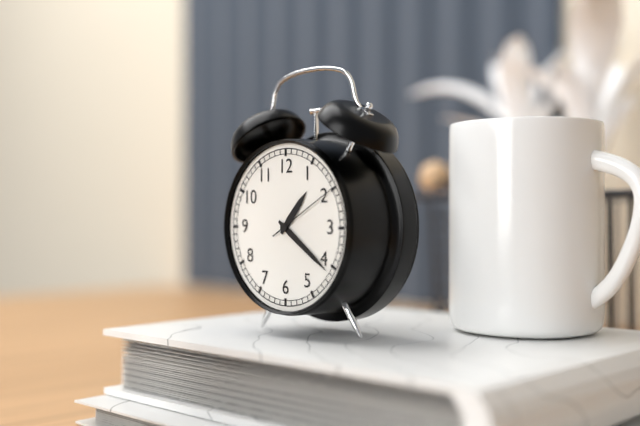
h=1 m=21 s=10
